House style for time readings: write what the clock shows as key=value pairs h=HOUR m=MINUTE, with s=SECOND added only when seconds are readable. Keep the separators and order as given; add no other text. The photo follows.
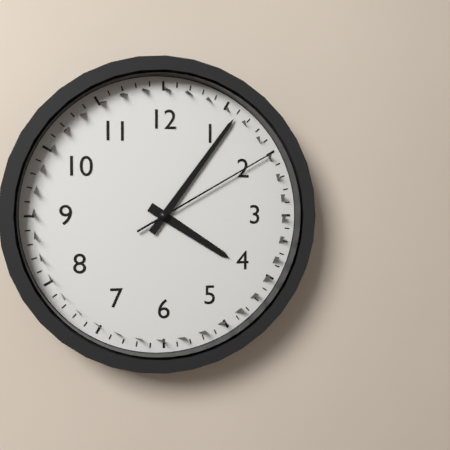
h=4 m=6 s=10
